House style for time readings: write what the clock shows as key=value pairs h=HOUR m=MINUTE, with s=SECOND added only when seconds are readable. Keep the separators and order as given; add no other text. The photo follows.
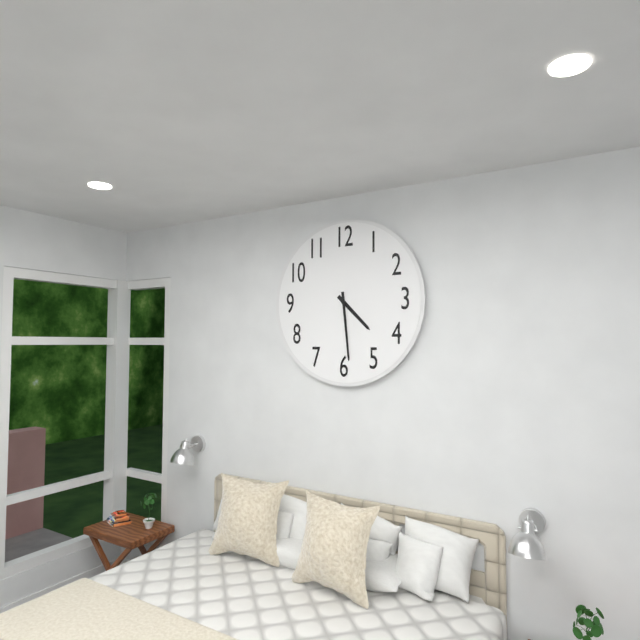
h=4 m=29
